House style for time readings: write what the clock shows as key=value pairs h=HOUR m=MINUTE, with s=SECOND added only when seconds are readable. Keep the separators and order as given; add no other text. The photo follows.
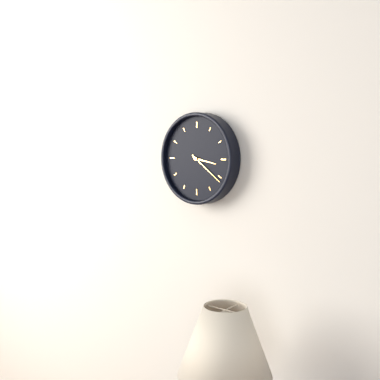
h=3 m=21
